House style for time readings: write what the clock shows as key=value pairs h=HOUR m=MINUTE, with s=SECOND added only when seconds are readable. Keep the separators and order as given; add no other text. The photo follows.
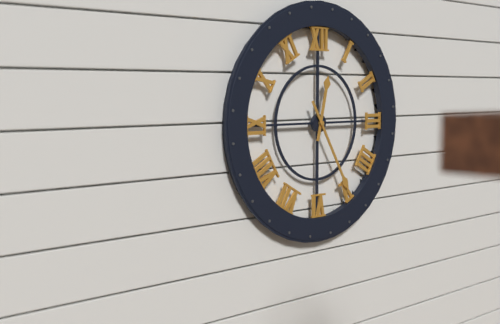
h=12 m=25
